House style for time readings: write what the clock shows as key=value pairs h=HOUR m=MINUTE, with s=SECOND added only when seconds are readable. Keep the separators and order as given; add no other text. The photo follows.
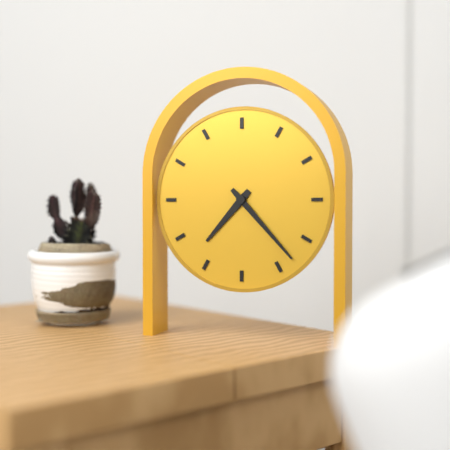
h=7 m=23
